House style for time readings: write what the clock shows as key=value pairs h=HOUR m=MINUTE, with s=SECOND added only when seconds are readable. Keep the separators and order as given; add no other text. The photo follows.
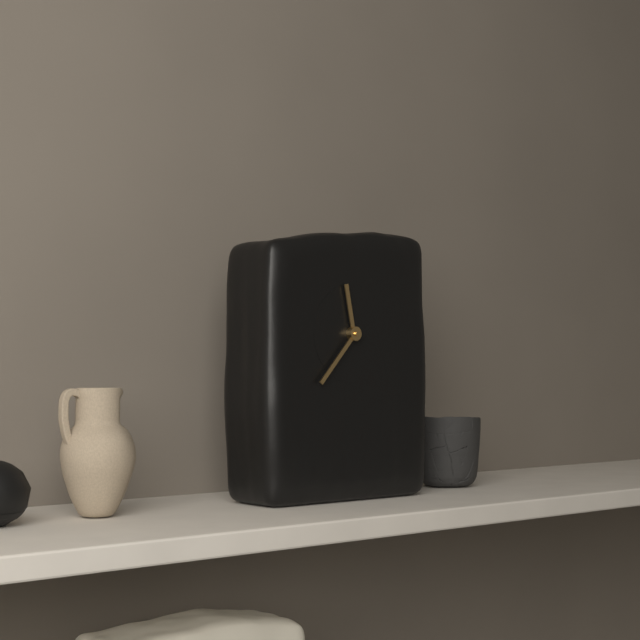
h=11 m=37
